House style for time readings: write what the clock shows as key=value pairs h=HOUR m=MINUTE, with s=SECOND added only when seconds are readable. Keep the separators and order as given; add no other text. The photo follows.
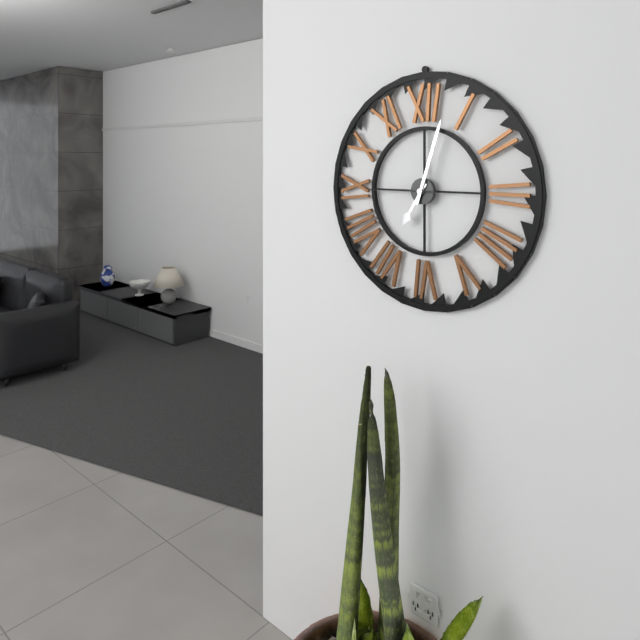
h=7 m=3 s=45
